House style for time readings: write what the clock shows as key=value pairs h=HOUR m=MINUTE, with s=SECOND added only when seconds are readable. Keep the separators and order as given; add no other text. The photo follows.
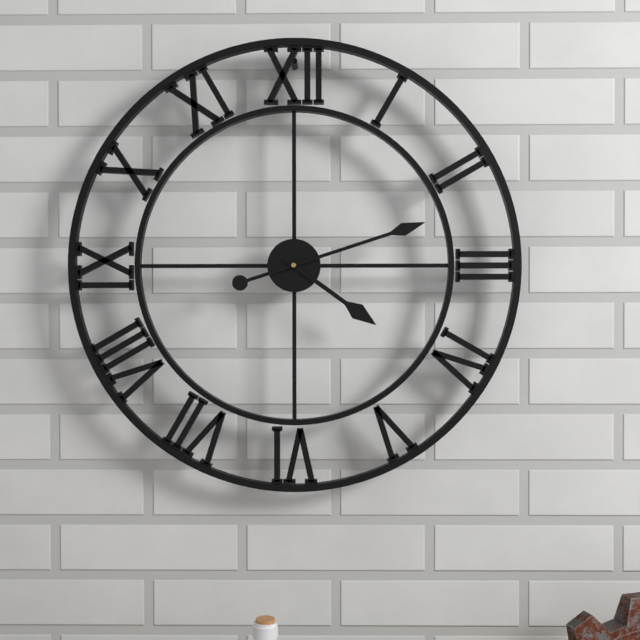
h=4 m=12
